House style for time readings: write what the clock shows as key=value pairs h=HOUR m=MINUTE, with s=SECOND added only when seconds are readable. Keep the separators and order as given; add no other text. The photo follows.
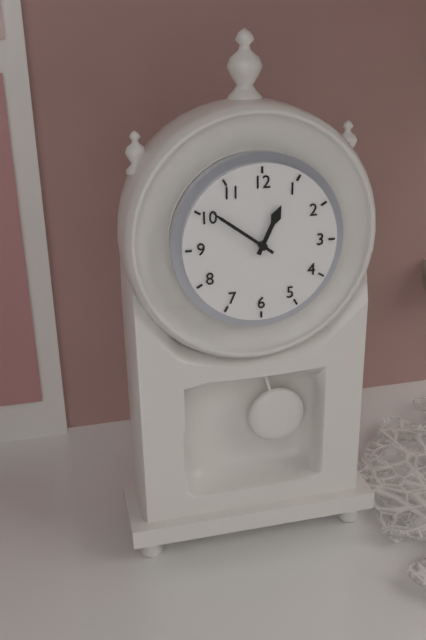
h=12 m=51
